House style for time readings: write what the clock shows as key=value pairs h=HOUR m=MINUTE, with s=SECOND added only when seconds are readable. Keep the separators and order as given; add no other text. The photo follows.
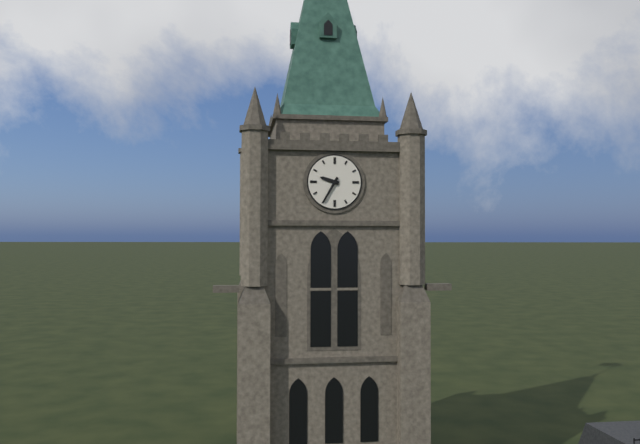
h=9 m=35
